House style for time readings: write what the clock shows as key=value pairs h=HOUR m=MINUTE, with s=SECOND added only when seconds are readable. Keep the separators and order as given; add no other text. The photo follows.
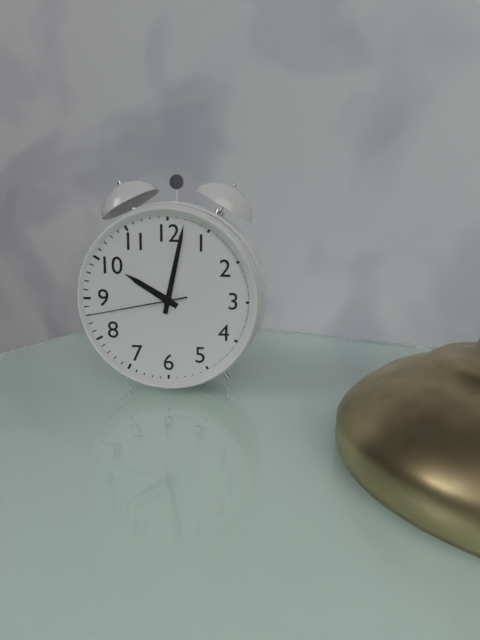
h=10 m=2 s=43
